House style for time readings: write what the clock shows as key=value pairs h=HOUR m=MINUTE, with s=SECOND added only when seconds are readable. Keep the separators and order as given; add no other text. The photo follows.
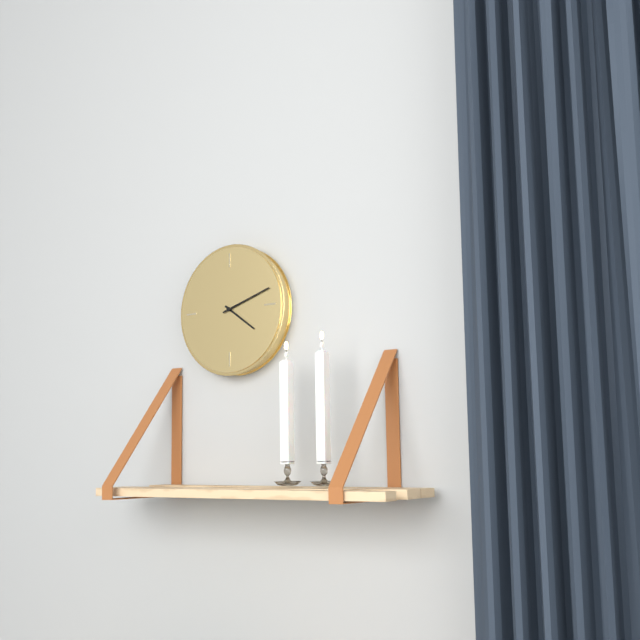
h=4 m=12
